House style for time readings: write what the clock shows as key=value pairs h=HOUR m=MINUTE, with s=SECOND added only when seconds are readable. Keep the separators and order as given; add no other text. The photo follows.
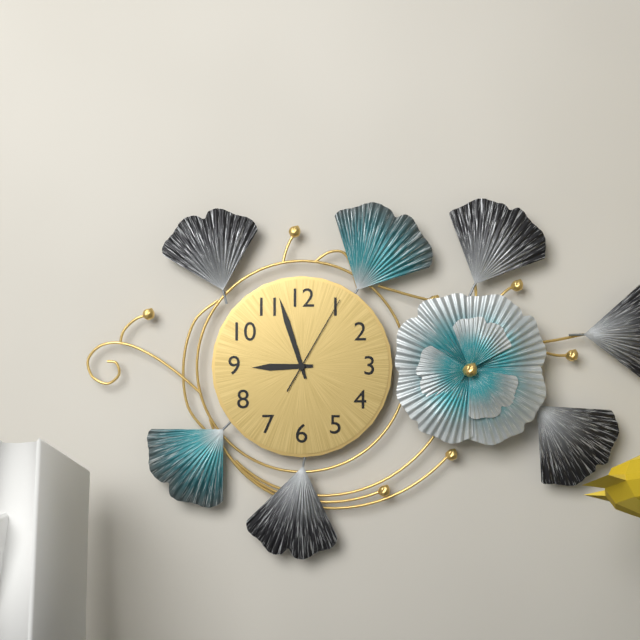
h=8 m=57 s=5
